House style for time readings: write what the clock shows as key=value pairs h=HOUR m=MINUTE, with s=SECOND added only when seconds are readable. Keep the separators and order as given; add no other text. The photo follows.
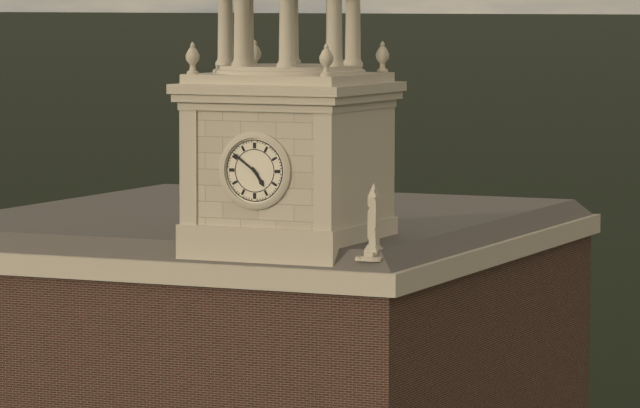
h=4 m=51
